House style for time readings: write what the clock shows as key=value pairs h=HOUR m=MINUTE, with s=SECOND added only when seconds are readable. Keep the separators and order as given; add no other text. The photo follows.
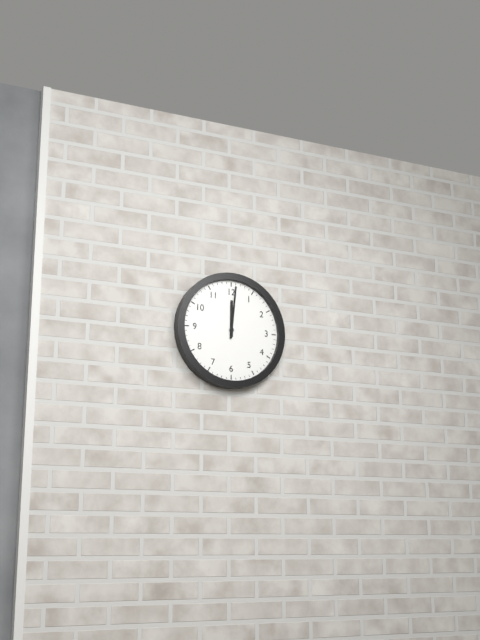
h=12 m=1
